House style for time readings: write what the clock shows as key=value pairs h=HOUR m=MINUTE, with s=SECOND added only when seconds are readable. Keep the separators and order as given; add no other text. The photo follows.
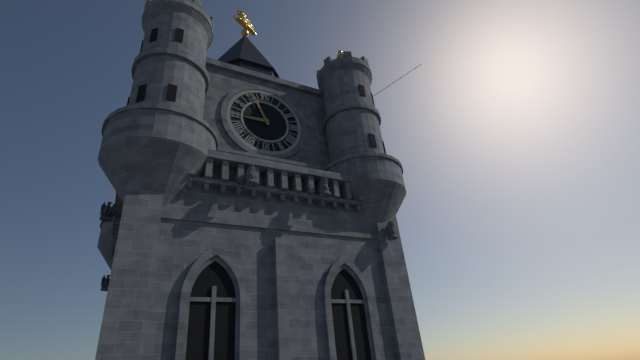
h=8 m=56
